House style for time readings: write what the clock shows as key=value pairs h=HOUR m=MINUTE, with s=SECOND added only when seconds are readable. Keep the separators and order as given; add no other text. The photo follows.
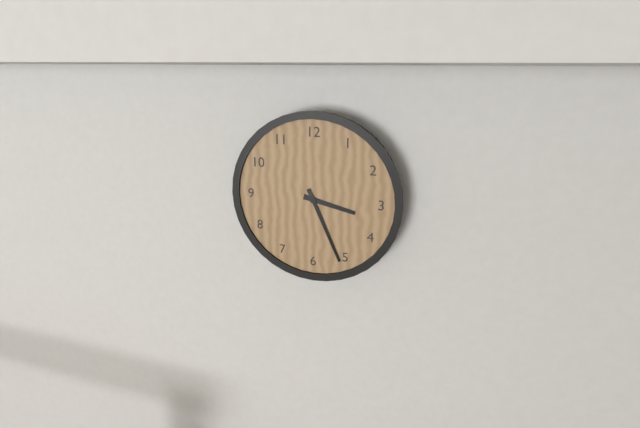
h=3 m=26
